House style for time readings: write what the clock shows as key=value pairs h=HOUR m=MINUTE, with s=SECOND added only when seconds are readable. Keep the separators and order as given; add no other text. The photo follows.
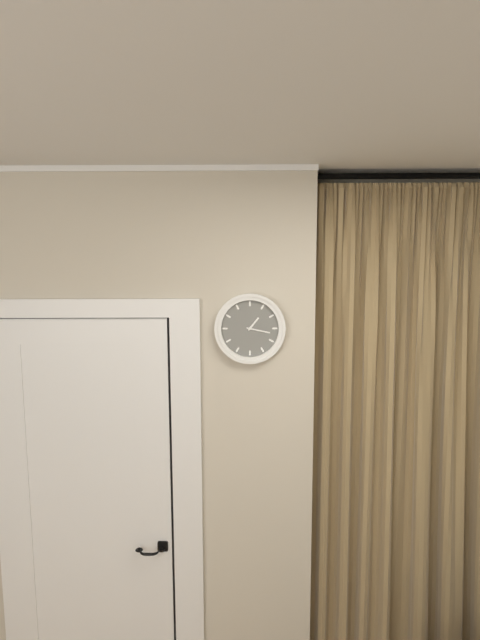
h=1 m=17
